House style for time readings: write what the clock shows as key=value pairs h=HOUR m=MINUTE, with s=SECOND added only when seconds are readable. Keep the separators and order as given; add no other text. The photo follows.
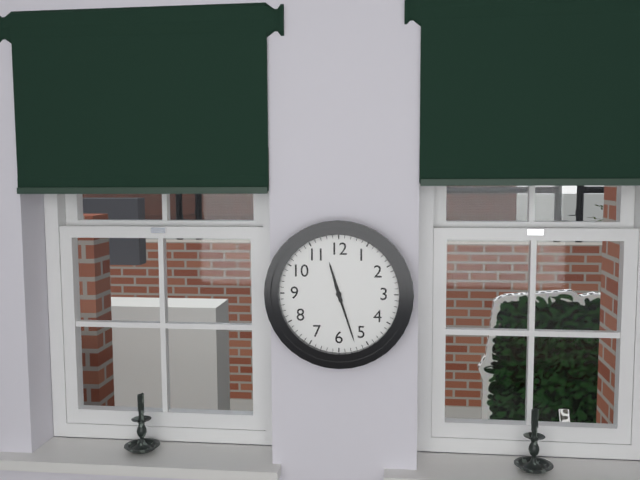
h=11 m=27
